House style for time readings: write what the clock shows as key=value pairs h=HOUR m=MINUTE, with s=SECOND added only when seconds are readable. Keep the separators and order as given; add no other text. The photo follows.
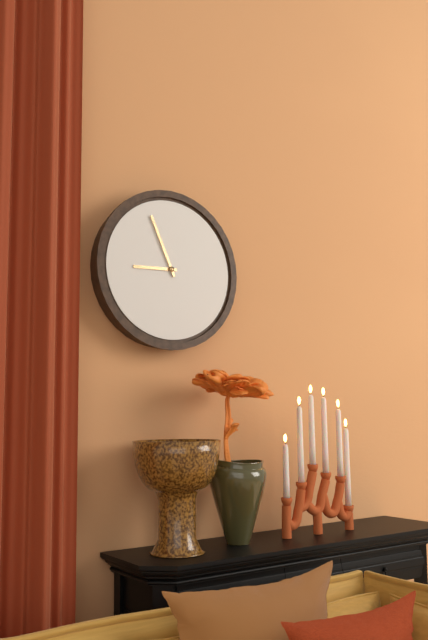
h=8 m=56
